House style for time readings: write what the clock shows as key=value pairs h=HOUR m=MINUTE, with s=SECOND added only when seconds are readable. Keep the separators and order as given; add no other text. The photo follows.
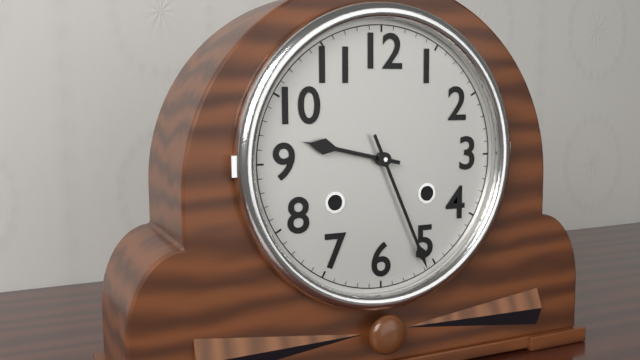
h=9 m=26
